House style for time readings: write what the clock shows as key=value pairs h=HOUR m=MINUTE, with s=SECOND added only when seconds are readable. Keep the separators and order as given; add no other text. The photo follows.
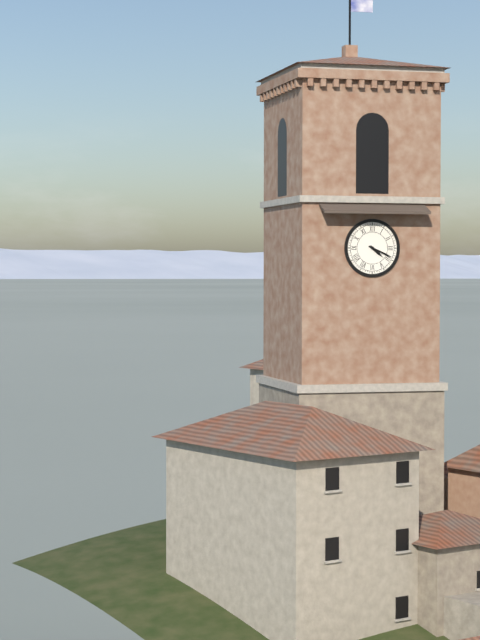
h=4 m=19
